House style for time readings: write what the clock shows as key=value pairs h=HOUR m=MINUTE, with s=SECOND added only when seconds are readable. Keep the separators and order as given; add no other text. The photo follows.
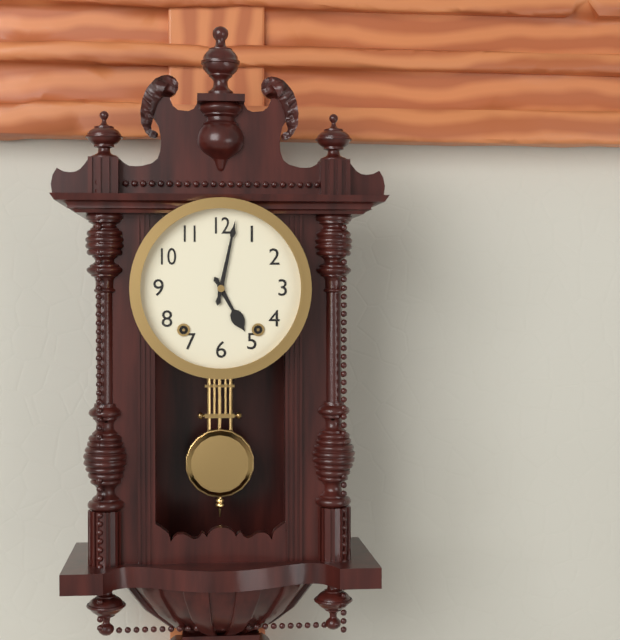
h=5 m=2
